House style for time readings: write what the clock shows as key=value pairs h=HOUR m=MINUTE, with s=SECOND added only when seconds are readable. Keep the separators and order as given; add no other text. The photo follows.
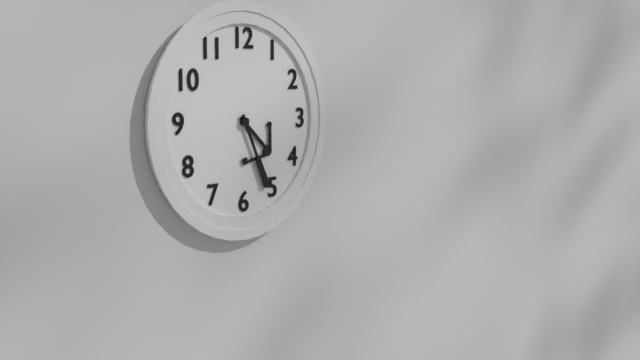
h=4 m=26
